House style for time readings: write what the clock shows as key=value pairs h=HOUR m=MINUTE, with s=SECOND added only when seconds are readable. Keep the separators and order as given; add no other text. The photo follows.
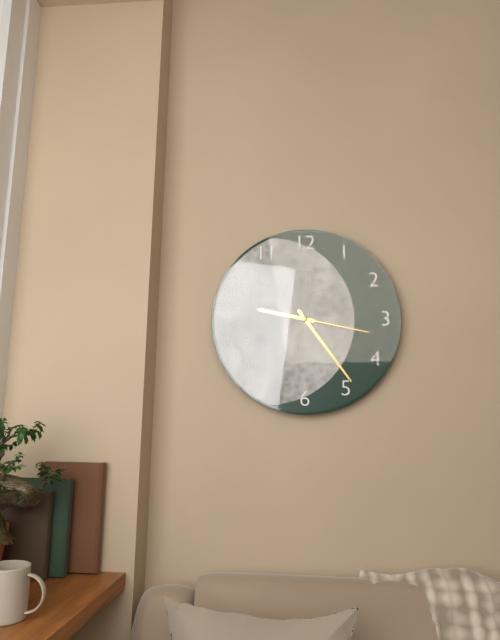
h=9 m=24 s=17
